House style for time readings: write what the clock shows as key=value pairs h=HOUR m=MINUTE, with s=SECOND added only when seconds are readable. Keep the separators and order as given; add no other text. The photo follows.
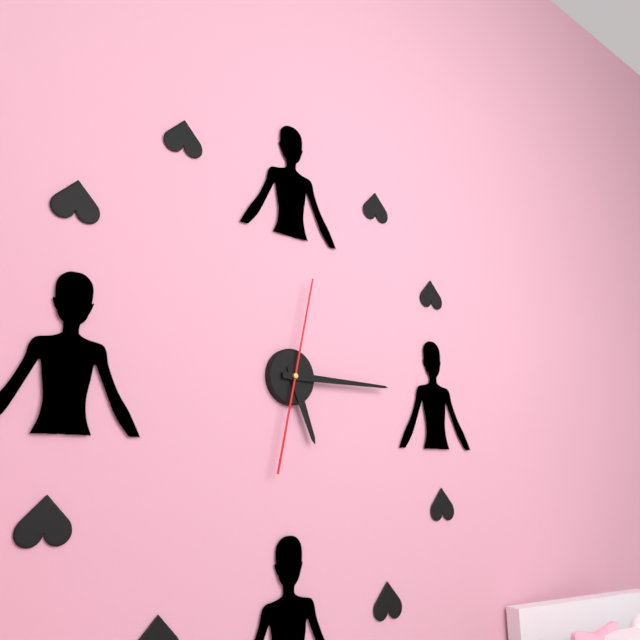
h=5 m=15 s=2
